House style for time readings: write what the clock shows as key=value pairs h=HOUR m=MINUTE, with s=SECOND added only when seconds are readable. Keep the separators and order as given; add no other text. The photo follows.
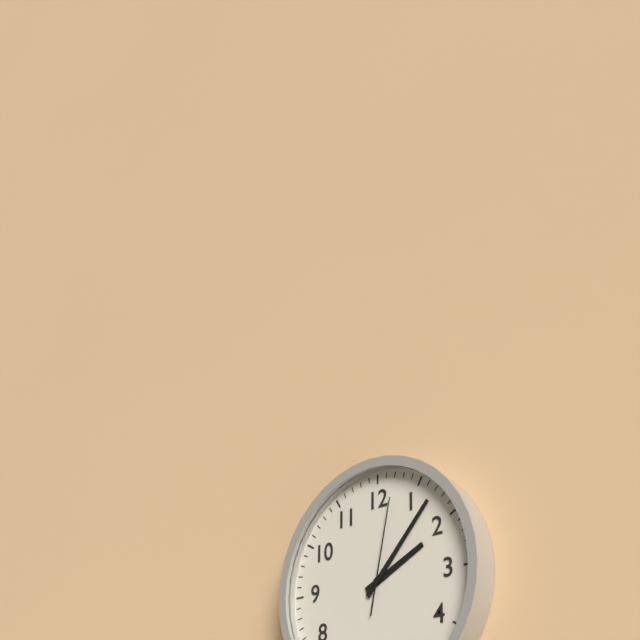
h=2 m=7 s=2
